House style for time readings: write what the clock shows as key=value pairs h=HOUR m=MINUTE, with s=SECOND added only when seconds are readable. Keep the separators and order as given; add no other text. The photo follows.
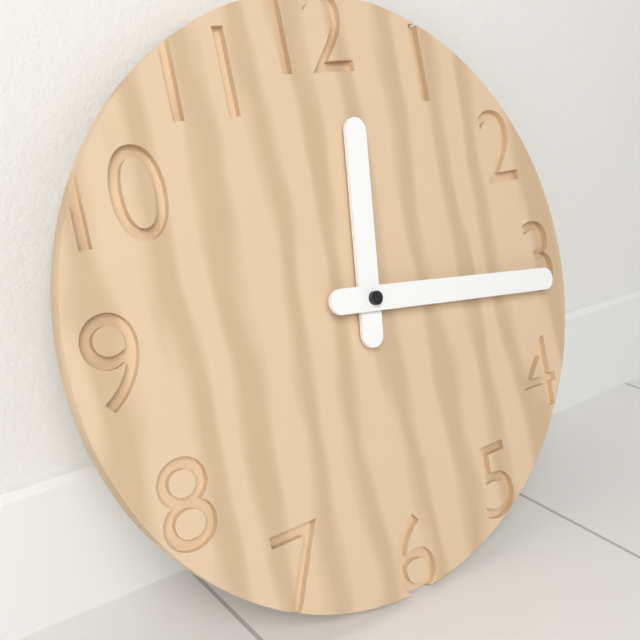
h=12 m=16
